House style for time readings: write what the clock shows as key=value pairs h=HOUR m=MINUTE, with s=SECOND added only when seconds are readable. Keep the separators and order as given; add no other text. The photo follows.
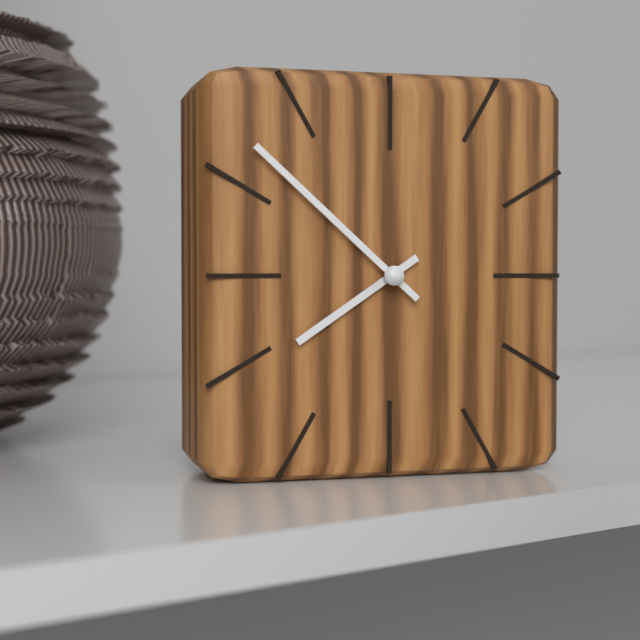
h=7 m=52
